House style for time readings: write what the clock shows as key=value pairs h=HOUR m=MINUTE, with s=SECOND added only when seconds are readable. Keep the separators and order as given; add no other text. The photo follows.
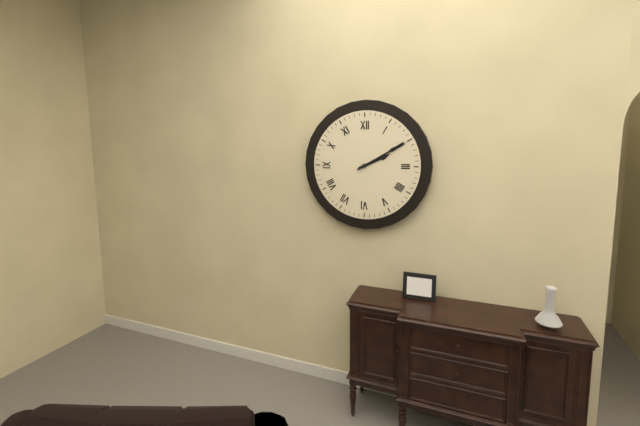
h=2 m=10
